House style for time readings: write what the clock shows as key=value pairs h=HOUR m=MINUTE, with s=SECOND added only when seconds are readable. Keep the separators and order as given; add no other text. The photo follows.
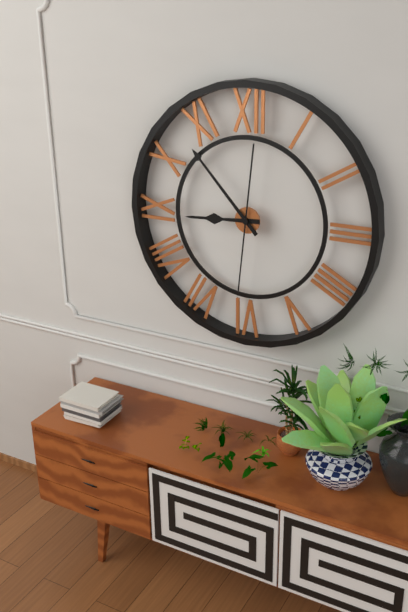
h=8 m=53 s=31
